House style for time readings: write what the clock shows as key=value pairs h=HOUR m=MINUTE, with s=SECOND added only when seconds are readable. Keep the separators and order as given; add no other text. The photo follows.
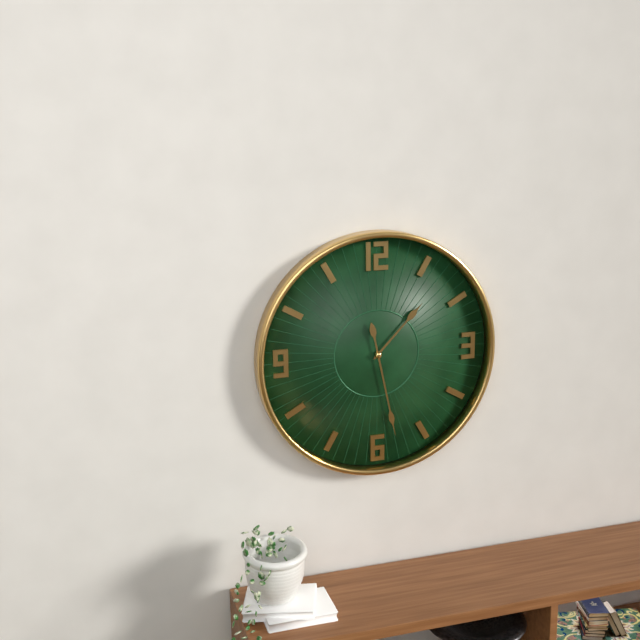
h=1 m=28
